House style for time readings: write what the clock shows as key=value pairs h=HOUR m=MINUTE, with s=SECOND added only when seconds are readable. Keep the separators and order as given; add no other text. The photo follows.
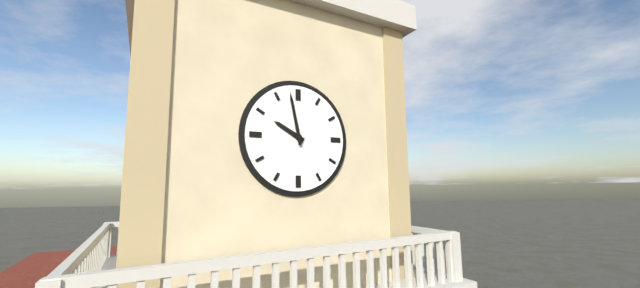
h=9 m=58
